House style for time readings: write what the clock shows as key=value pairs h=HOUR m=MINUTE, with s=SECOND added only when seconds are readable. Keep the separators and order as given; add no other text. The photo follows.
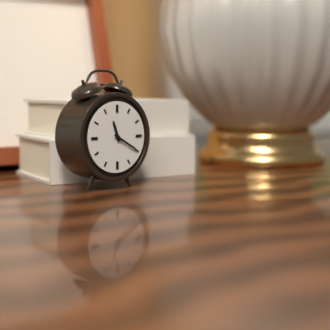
h=11 m=20
